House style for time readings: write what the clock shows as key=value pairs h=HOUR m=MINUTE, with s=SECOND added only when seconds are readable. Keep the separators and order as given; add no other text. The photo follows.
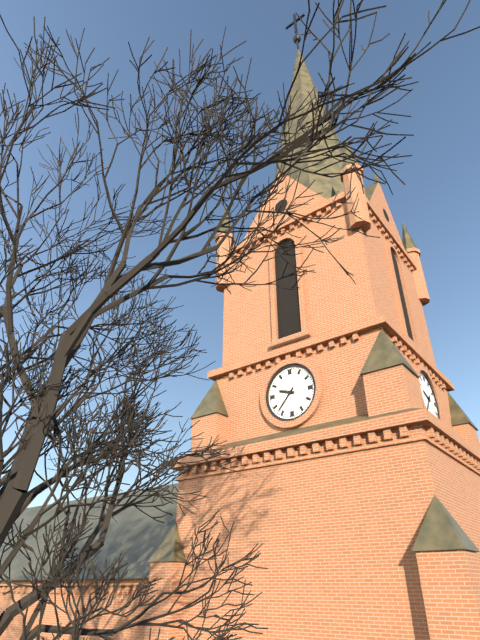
h=9 m=37
